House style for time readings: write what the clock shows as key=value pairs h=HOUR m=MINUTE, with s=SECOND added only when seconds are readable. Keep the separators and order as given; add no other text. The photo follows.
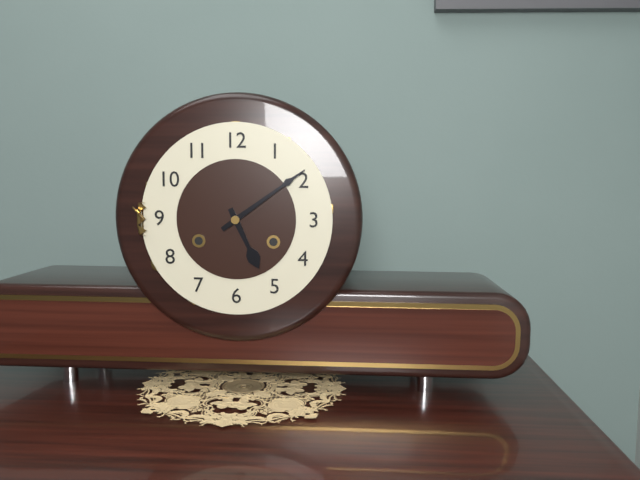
h=5 m=9
